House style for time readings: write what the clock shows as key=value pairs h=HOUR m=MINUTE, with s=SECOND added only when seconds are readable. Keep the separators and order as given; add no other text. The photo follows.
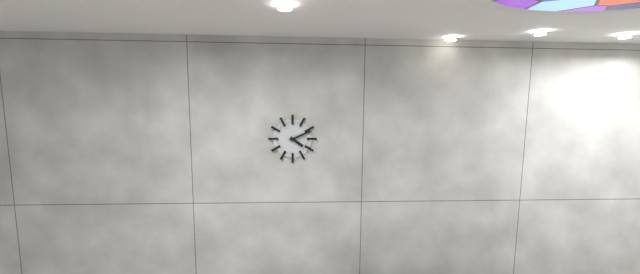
h=4 m=11
